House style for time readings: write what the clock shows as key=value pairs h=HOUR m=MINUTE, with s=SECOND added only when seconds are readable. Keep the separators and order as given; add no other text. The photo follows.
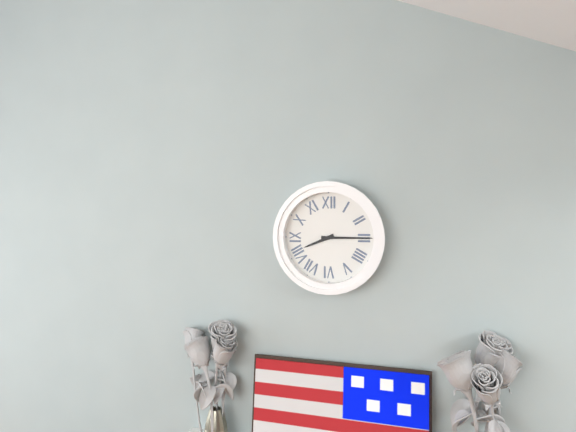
h=8 m=15
